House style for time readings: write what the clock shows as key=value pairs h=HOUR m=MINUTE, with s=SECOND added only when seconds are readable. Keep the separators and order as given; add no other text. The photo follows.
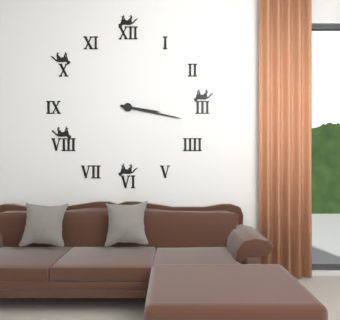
h=3 m=17
